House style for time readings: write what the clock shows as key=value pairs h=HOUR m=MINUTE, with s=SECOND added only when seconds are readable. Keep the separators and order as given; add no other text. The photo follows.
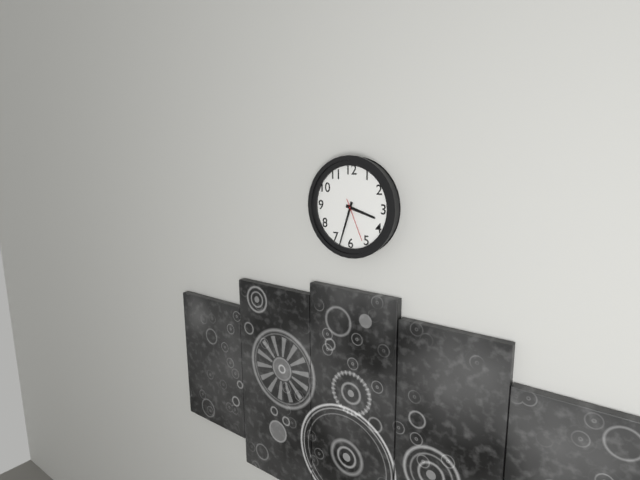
h=3 m=33
